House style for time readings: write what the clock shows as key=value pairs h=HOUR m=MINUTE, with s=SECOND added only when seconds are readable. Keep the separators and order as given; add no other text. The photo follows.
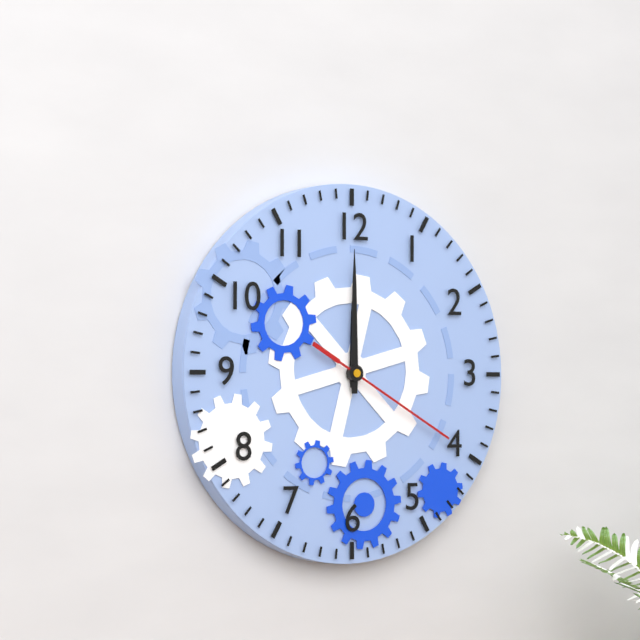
h=12 m=0 s=20
